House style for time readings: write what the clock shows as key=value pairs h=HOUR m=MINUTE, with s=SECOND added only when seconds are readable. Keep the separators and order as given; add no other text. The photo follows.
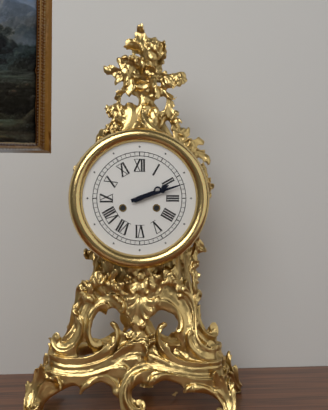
h=2 m=12
